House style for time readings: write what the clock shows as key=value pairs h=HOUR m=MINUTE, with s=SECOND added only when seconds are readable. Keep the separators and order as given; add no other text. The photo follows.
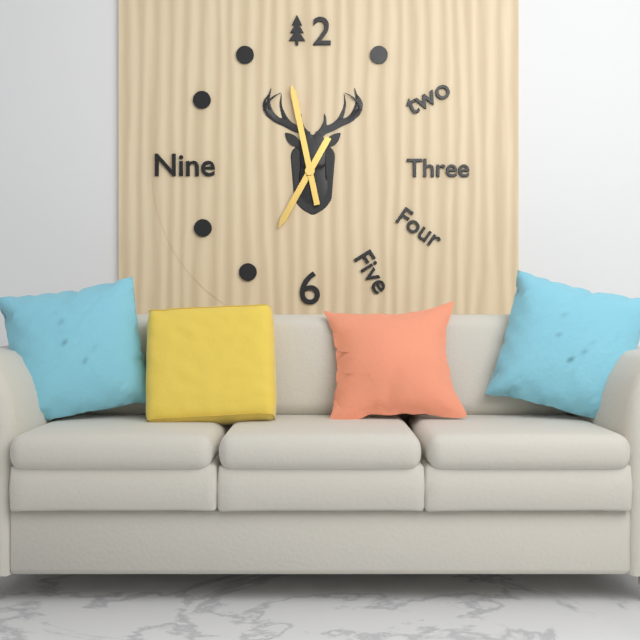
h=6 m=58
